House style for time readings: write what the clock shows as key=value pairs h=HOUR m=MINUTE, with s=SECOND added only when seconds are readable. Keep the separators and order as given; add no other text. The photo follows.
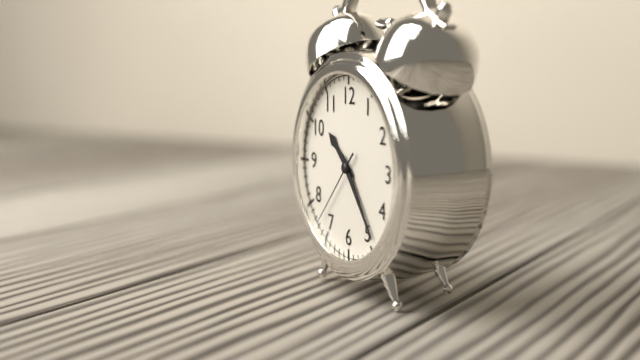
h=10 m=24 s=37
